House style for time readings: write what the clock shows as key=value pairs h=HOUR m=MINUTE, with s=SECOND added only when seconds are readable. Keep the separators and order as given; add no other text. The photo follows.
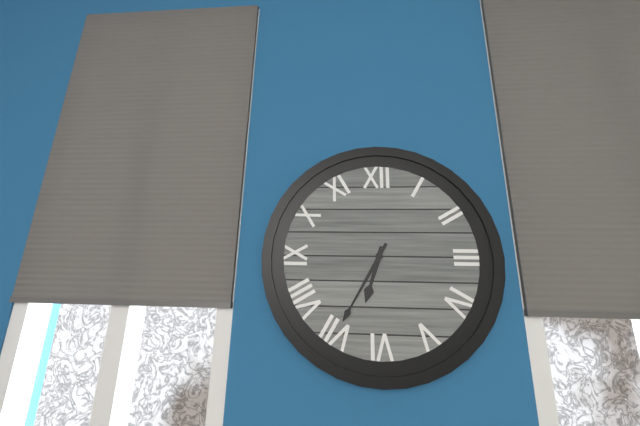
h=6 m=35
